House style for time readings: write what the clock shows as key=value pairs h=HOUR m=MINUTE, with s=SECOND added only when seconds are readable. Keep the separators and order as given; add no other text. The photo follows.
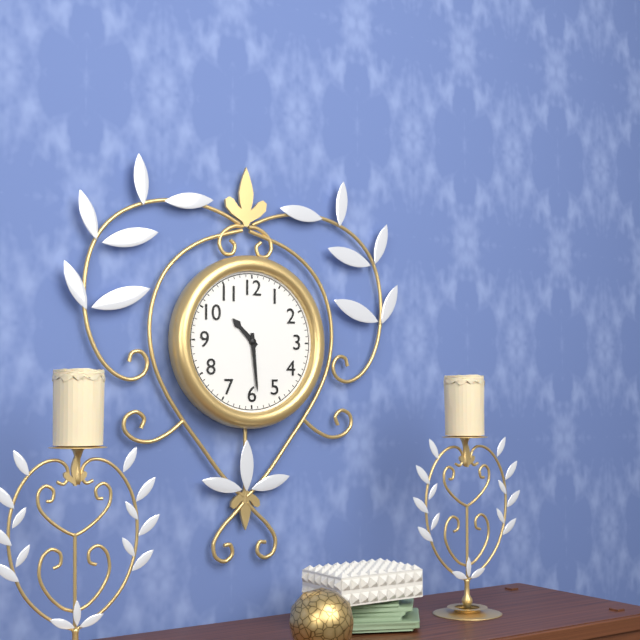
h=10 m=29
